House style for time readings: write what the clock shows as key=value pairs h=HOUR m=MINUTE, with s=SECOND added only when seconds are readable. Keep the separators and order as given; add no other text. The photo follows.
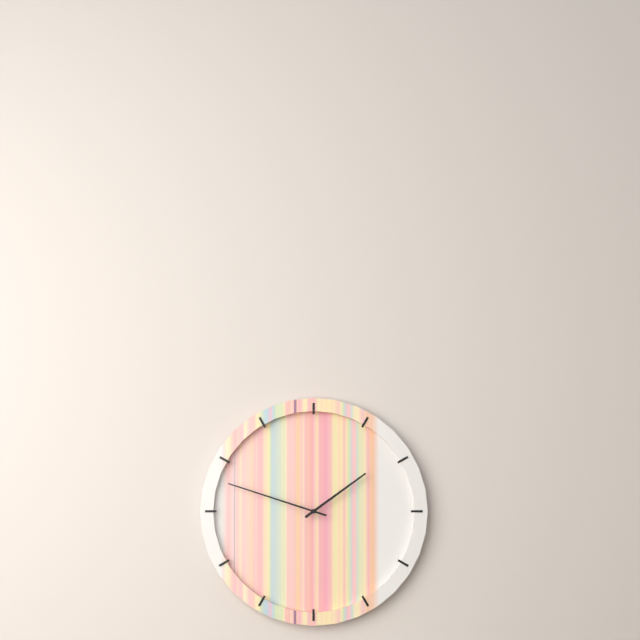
h=1 m=48
